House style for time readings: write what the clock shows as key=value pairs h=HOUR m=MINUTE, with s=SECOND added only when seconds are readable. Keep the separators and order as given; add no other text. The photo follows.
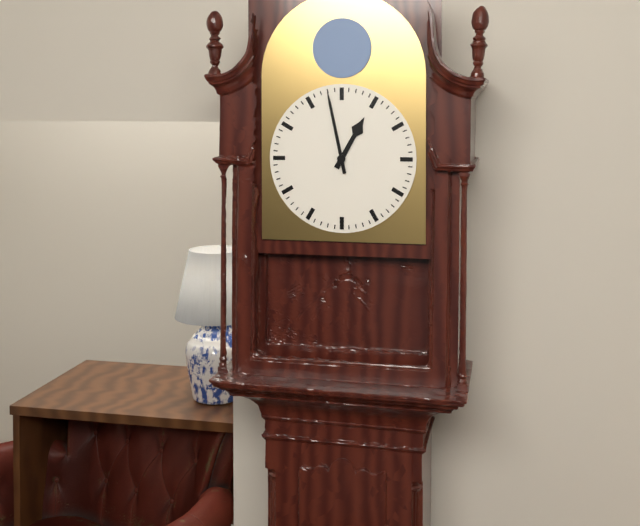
h=12 m=58
